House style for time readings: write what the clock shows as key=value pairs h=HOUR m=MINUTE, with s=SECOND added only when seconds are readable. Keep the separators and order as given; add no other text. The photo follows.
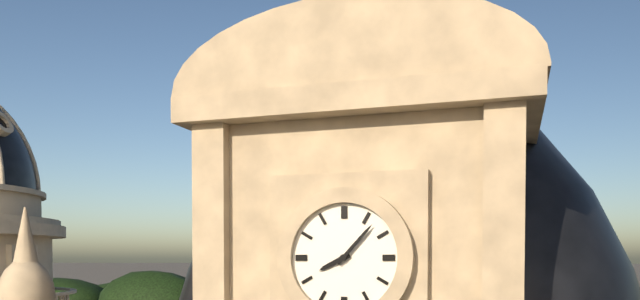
h=8 m=7
